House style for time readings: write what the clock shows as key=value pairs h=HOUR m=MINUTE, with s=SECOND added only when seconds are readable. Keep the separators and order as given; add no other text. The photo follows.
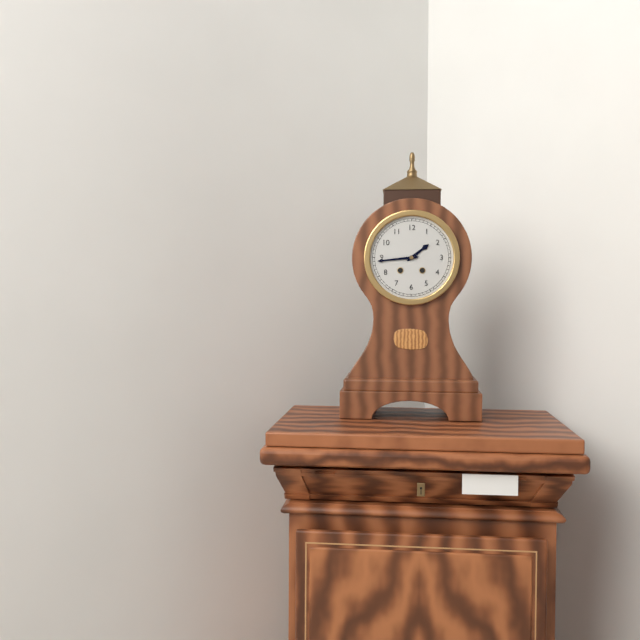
h=1 m=44
